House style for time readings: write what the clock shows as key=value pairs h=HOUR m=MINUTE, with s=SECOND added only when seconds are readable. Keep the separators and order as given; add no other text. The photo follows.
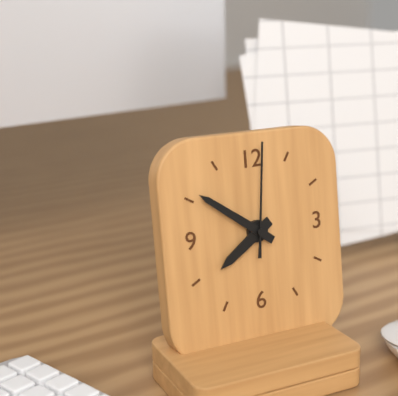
h=7 m=51 s=1
